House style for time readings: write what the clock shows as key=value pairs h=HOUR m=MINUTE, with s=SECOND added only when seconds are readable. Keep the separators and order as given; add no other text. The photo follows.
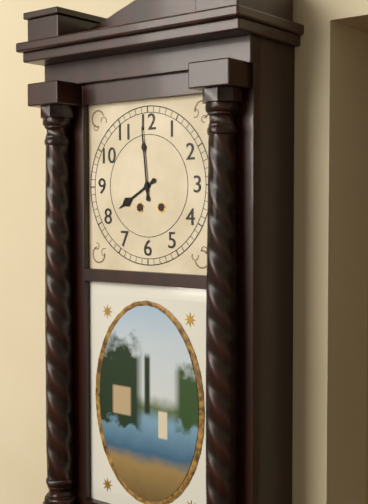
h=7 m=59
